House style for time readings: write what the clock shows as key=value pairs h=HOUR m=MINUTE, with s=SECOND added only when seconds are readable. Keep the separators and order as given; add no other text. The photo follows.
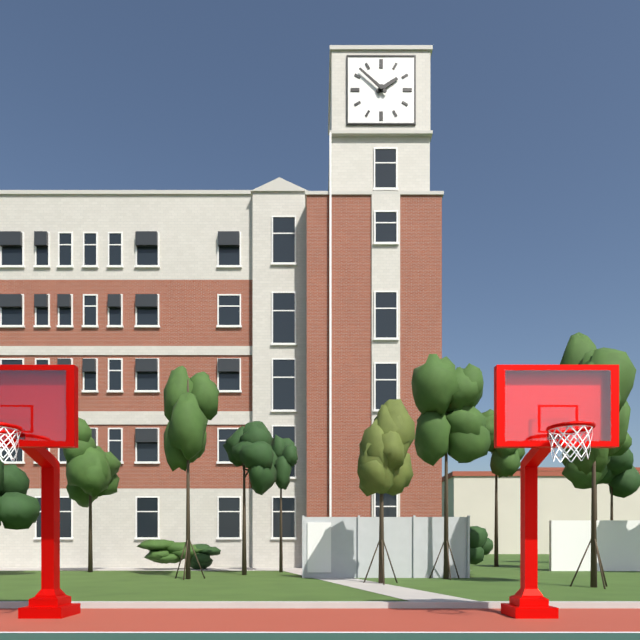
h=1 m=52
